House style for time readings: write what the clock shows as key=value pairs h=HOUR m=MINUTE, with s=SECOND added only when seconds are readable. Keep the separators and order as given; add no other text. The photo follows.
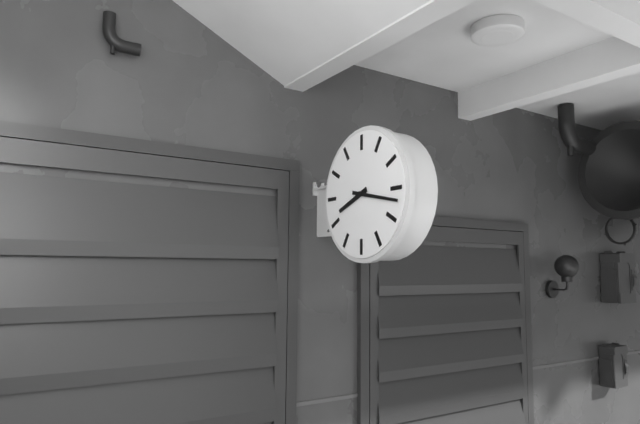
h=8 m=17
